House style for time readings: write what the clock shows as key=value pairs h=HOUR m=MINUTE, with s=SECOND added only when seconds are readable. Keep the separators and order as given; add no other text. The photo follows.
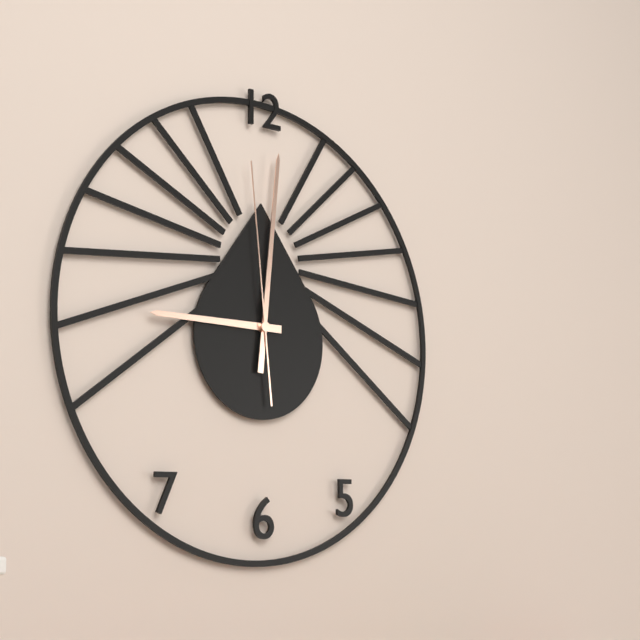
h=9 m=1 s=59
